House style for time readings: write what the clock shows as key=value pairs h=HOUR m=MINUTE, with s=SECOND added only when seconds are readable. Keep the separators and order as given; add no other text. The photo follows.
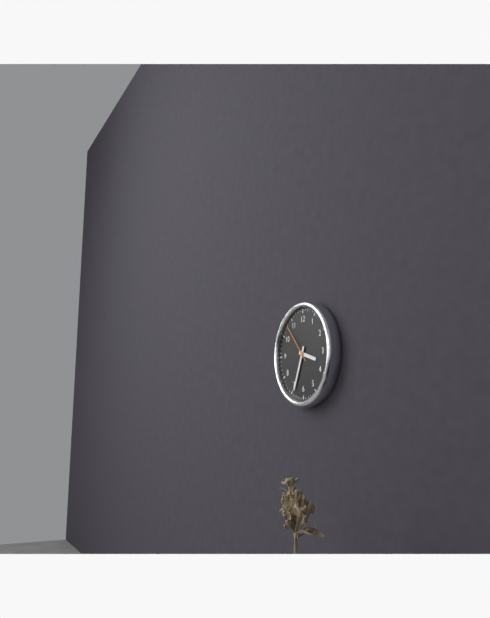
h=3 m=34
